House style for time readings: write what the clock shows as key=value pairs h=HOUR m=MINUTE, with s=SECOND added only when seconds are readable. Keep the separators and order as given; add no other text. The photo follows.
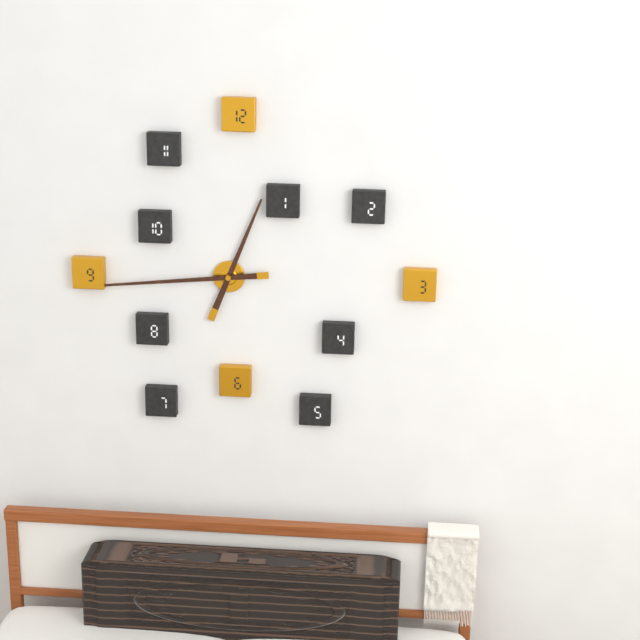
h=12 m=44
